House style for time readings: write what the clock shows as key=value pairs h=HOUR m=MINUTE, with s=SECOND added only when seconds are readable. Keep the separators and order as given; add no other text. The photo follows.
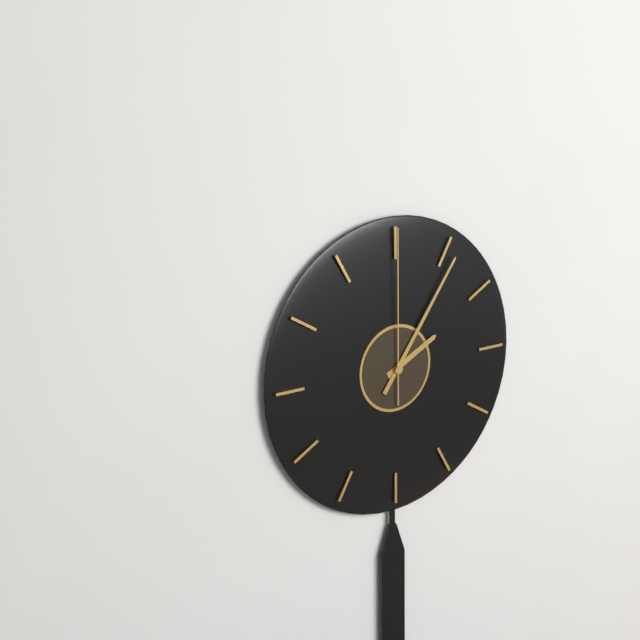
h=2 m=6 s=0
